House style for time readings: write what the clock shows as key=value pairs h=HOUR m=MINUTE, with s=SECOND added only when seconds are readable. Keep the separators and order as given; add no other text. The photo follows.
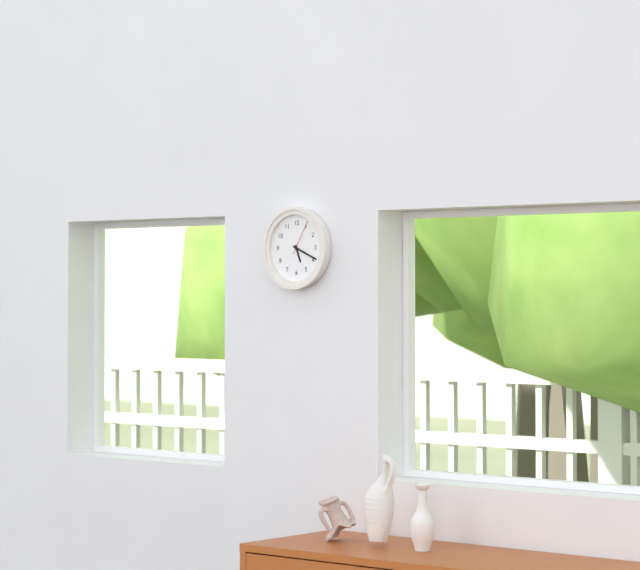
h=5 m=19
